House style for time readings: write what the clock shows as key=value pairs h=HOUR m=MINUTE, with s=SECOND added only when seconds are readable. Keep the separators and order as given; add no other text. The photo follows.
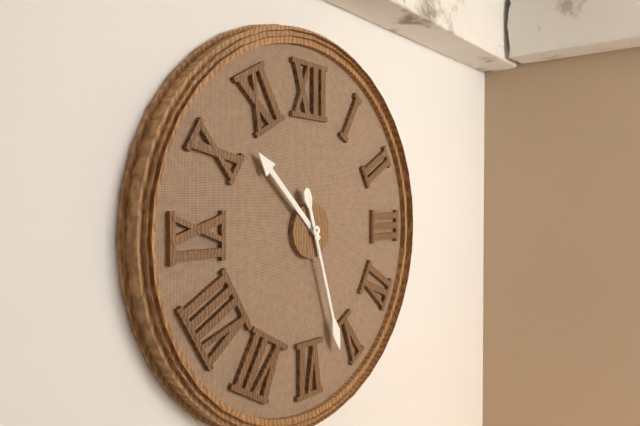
h=10 m=27
